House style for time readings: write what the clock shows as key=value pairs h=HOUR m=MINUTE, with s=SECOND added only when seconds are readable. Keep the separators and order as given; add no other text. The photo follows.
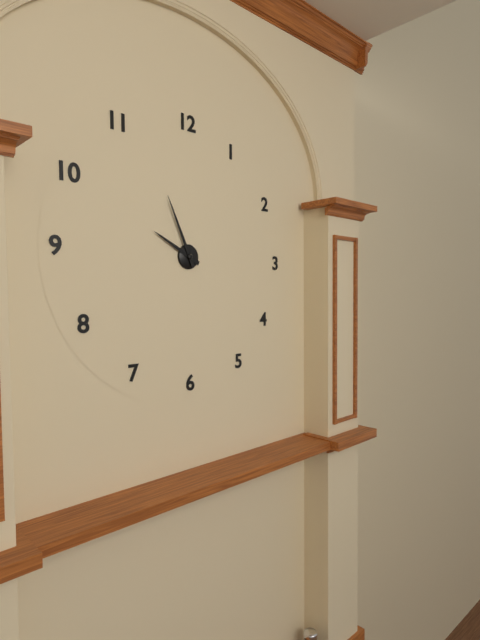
h=9 m=56
